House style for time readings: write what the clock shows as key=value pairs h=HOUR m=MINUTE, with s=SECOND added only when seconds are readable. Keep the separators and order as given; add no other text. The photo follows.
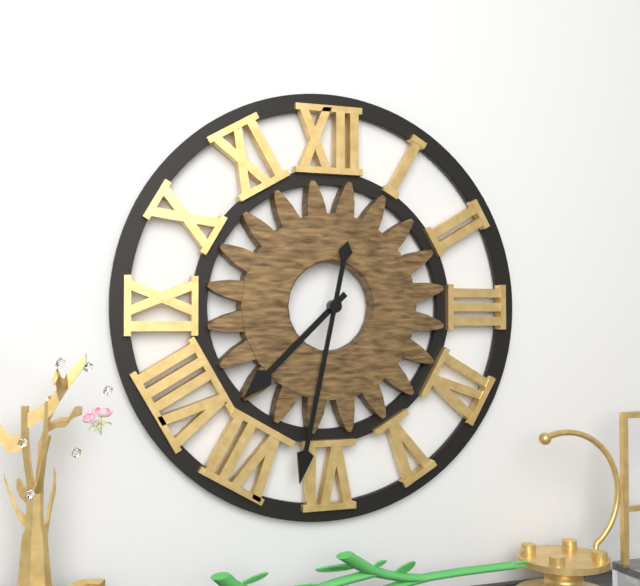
h=7 m=32
